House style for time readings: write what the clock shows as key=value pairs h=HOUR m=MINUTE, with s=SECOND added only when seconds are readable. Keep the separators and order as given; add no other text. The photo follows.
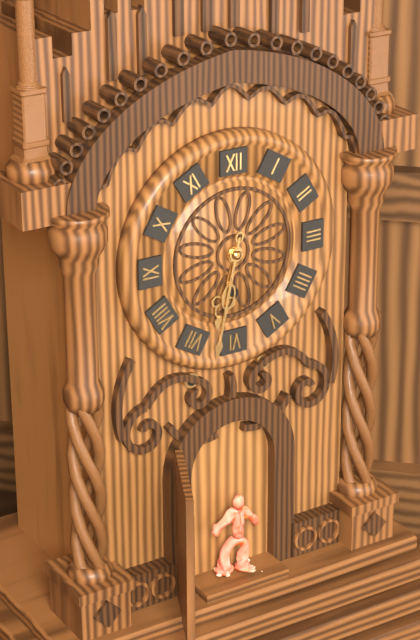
h=6 m=32
